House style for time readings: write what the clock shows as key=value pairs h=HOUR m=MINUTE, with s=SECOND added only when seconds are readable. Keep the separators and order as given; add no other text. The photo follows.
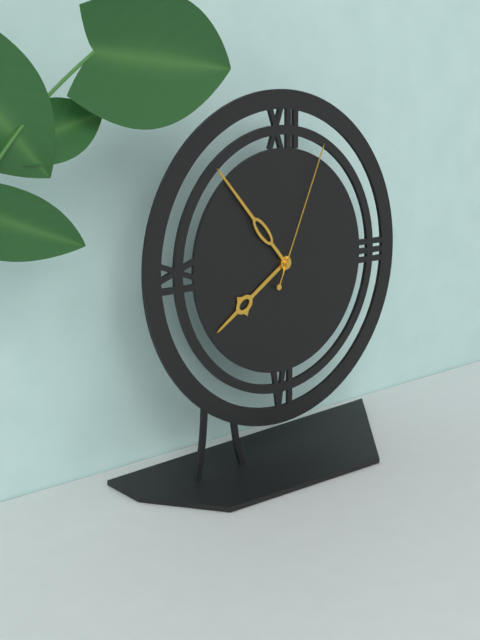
h=7 m=53 s=4
